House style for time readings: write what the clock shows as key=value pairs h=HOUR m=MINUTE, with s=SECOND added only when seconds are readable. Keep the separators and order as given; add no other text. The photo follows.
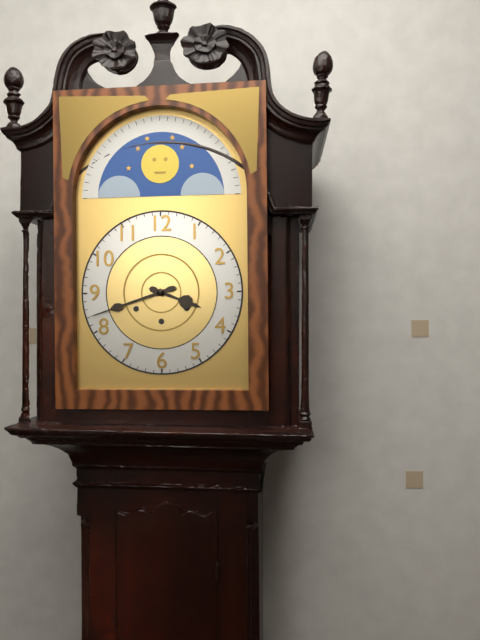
h=3 m=42
